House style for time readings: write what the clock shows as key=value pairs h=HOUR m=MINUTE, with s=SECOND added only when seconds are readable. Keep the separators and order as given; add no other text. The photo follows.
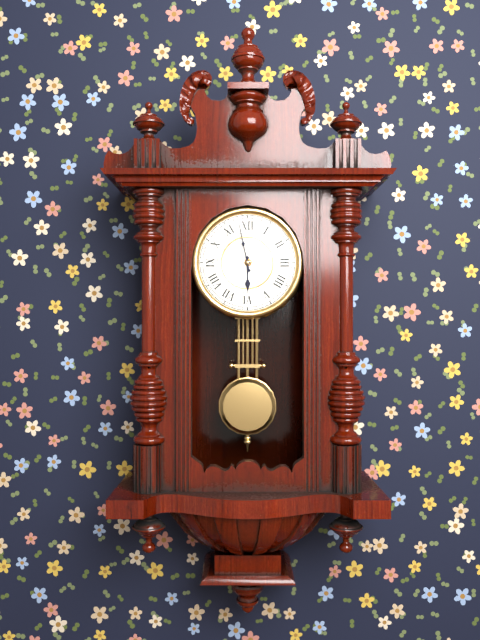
h=5 m=58
